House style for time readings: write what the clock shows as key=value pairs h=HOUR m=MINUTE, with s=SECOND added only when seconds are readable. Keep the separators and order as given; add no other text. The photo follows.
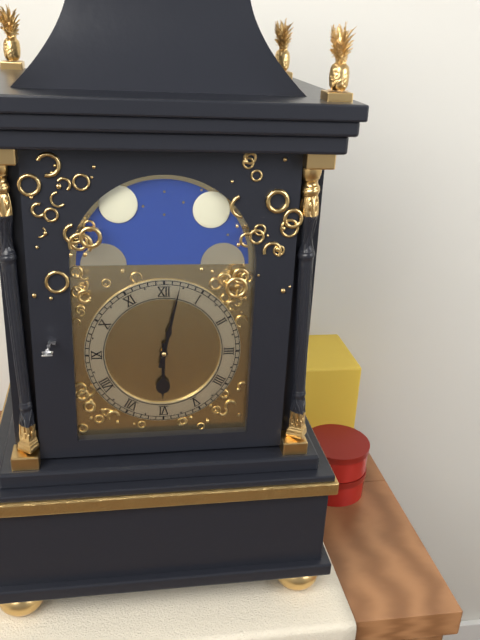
h=6 m=2
